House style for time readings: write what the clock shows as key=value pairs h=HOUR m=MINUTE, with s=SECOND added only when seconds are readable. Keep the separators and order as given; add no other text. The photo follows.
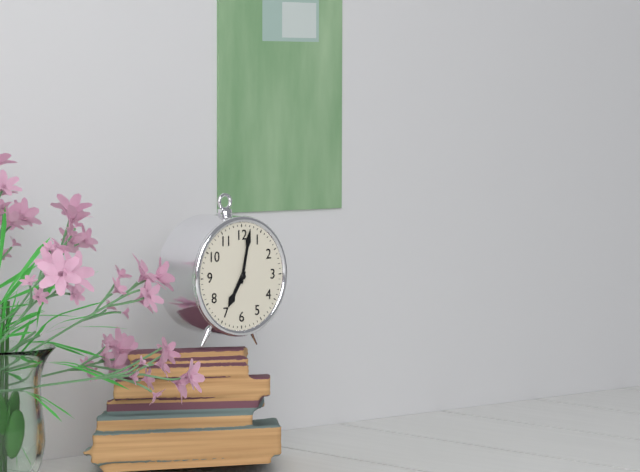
h=7 m=2
